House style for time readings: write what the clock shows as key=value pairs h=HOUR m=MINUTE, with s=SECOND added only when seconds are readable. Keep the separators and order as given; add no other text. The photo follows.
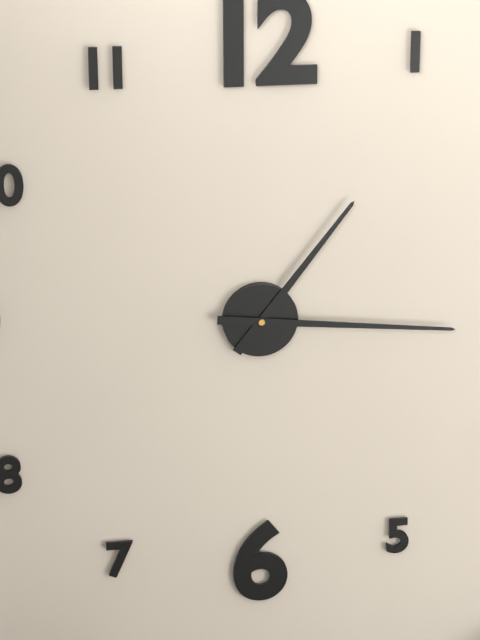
h=1 m=16
